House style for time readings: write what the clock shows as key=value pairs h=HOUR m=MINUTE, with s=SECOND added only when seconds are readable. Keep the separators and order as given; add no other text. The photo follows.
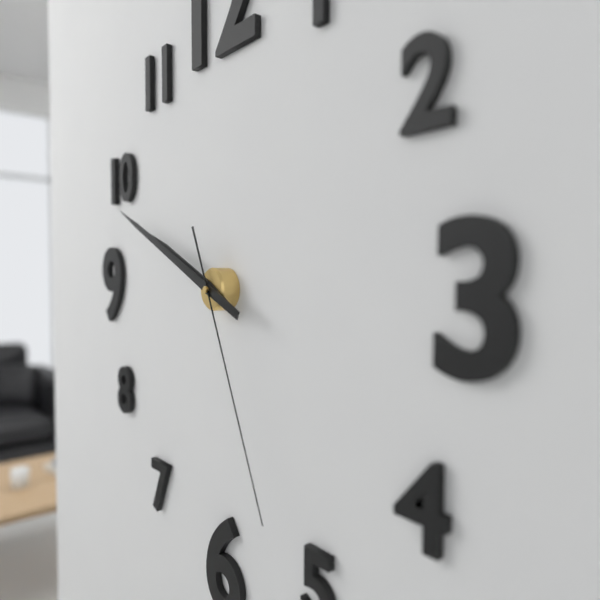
h=9 m=49 s=26
